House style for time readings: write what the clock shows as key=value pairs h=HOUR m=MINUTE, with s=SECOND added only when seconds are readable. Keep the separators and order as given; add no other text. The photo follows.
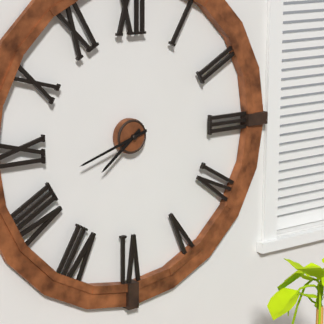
h=7 m=42
